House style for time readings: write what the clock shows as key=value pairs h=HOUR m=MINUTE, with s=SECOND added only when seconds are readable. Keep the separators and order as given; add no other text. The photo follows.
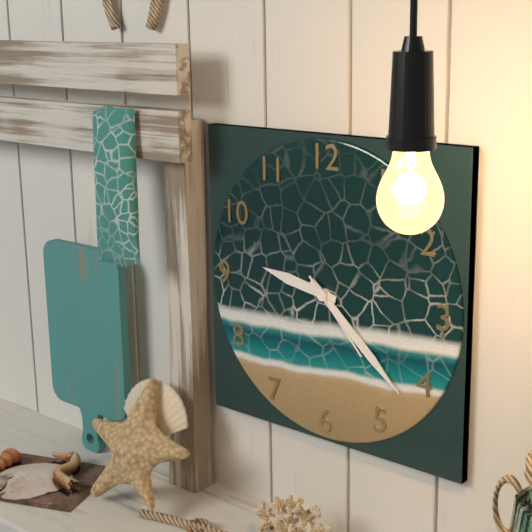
h=9 m=22 s=23
